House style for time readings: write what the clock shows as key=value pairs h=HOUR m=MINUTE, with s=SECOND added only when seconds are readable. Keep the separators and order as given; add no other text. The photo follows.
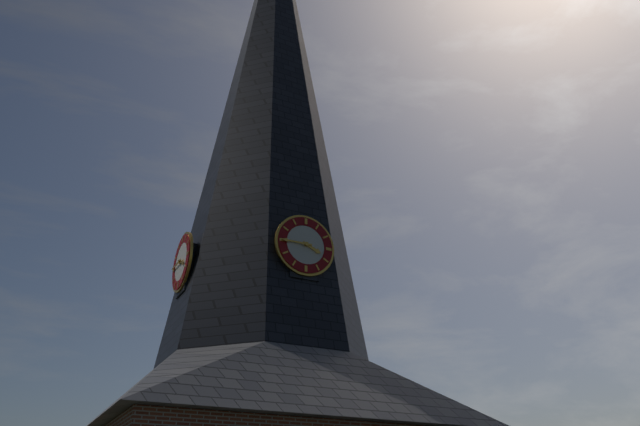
h=3 m=45
